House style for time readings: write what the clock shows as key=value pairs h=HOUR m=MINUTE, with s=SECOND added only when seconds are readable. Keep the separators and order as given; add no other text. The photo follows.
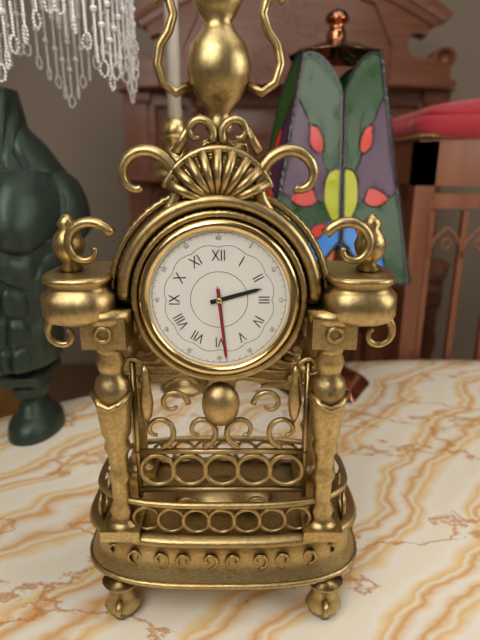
h=2 m=29 s=29
